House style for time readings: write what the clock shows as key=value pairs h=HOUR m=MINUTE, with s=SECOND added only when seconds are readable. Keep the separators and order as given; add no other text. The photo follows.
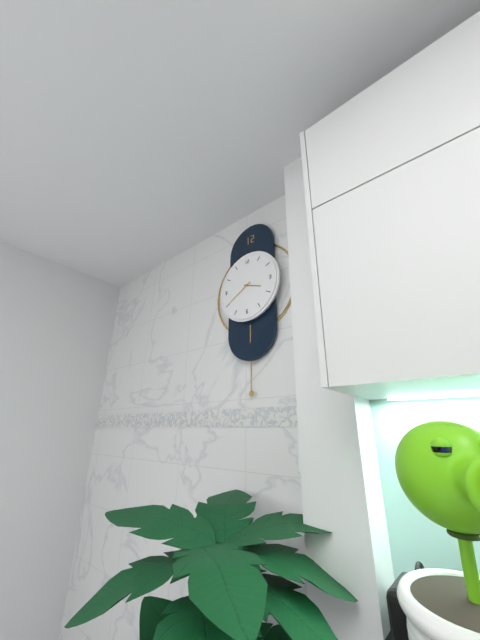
h=3 m=40
